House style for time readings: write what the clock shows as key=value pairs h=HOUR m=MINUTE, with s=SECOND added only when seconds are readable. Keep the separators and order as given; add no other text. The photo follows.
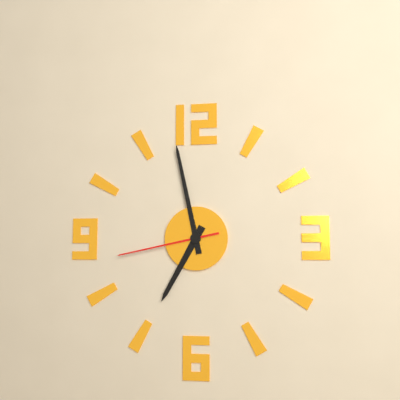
h=6 m=58 s=43
